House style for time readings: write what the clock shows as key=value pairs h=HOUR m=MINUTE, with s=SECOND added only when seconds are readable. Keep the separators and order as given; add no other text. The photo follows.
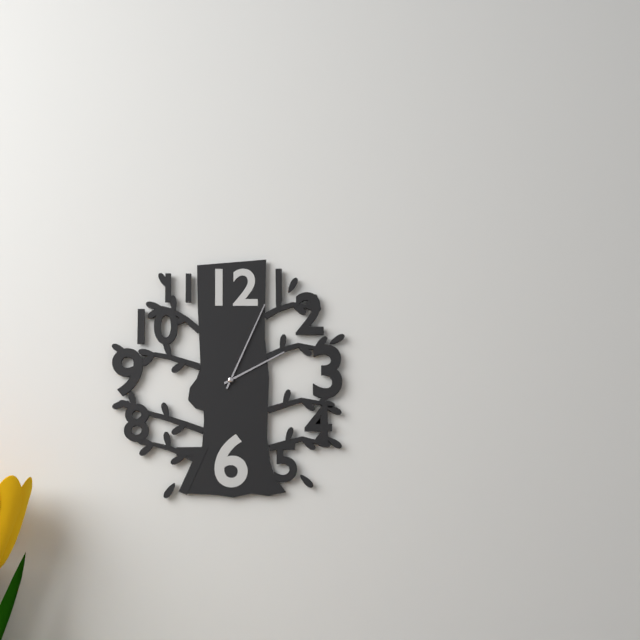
h=2 m=4
